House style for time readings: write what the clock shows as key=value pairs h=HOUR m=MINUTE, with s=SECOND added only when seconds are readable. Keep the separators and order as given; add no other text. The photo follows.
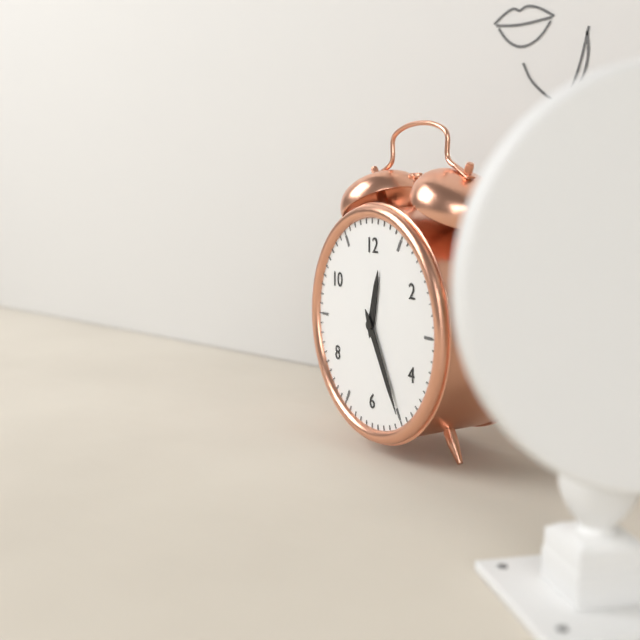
h=12 m=25
